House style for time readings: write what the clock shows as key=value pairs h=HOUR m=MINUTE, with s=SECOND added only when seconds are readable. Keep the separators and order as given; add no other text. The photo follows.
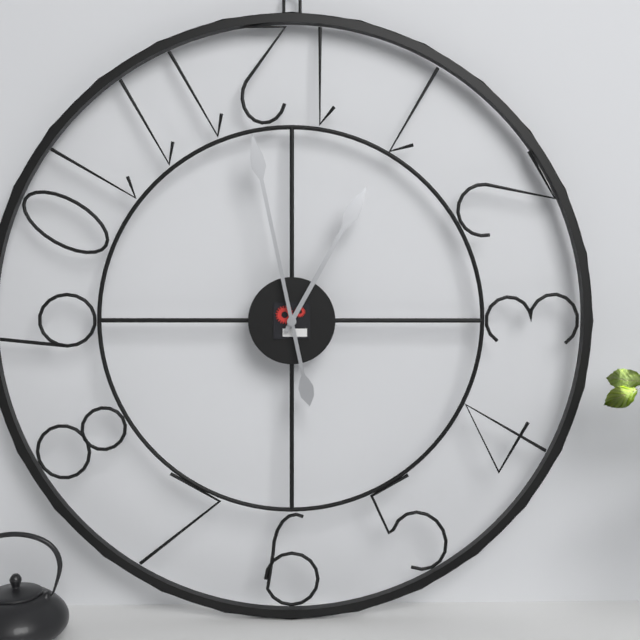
h=12 m=58
